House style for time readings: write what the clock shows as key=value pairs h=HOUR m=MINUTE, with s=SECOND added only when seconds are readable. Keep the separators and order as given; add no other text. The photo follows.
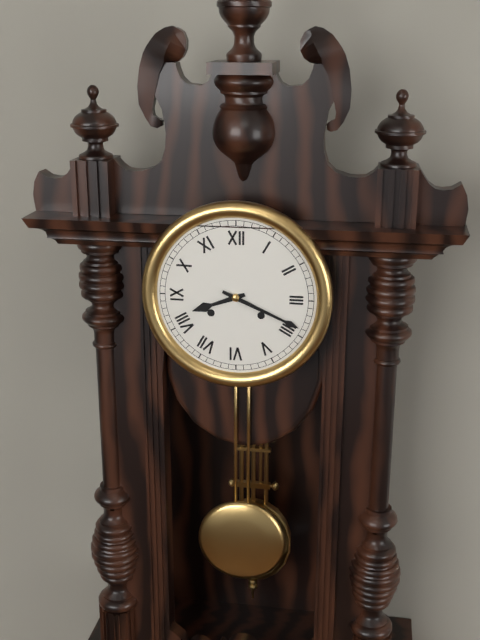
h=8 m=19
